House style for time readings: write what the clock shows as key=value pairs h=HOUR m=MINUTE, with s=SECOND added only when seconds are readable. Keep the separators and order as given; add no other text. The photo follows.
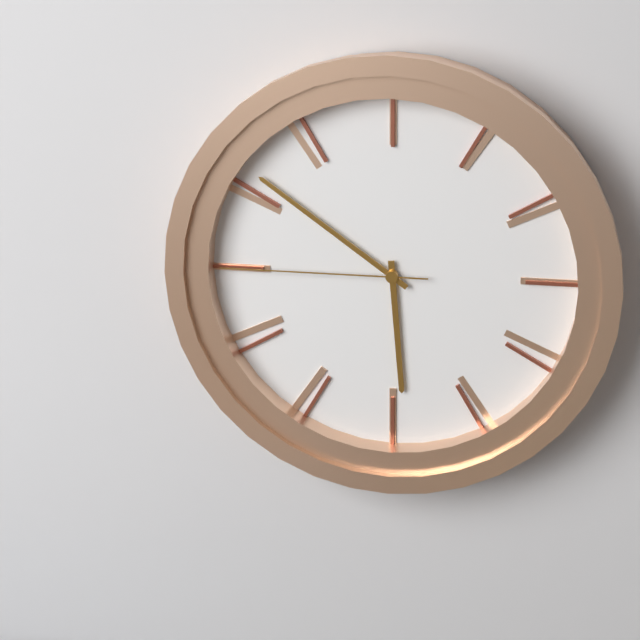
h=5 m=51 s=45
